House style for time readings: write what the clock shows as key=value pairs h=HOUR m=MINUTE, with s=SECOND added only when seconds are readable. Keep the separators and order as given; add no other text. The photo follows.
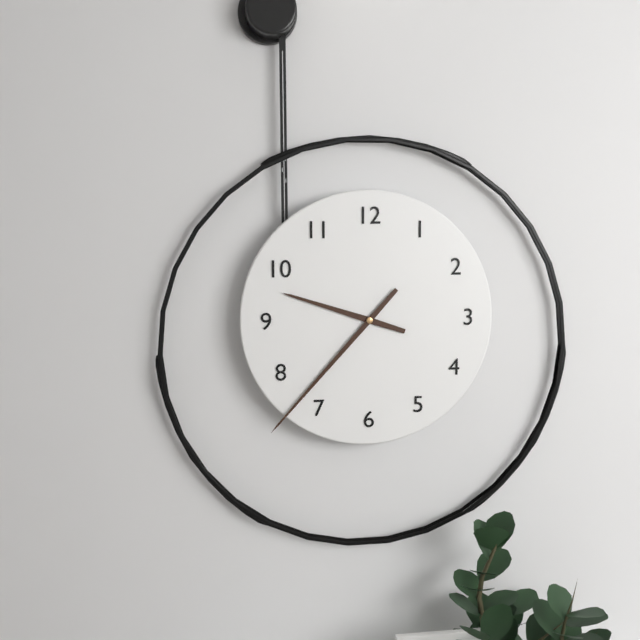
h=9 m=37
